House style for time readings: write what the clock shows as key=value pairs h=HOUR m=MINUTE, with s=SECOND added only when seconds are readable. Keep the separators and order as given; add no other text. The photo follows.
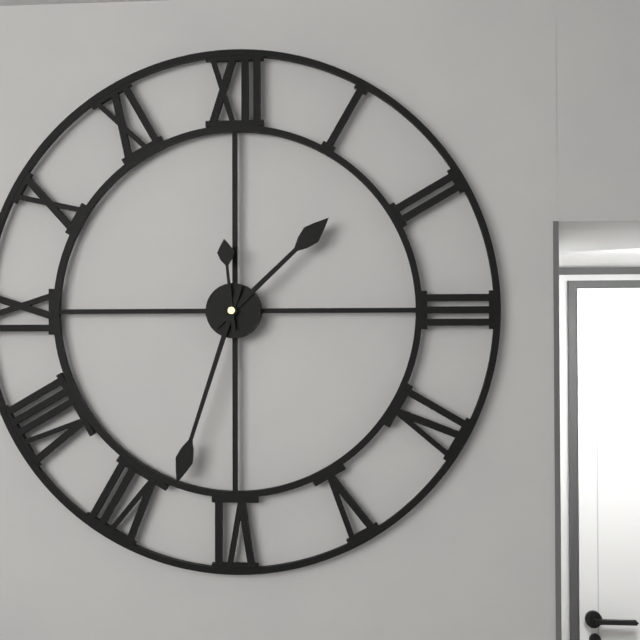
h=1 m=33 s=59
